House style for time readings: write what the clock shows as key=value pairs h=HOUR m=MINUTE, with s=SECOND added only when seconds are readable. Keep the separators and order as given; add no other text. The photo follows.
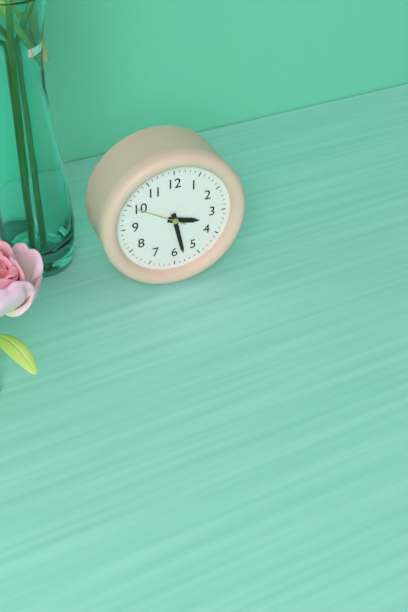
h=3 m=28
